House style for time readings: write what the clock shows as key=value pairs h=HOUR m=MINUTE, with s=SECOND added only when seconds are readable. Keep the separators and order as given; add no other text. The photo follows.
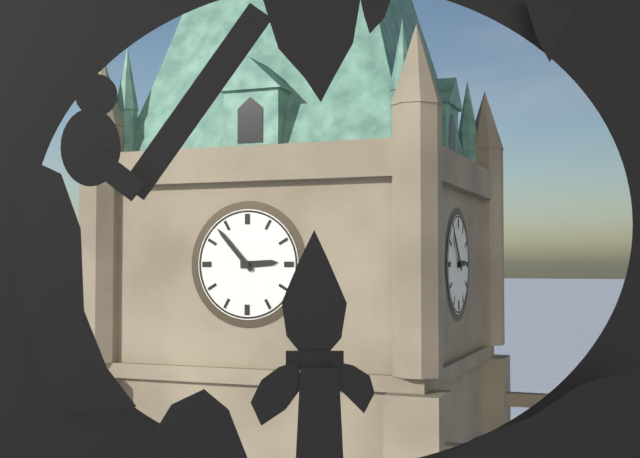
h=2 m=53
